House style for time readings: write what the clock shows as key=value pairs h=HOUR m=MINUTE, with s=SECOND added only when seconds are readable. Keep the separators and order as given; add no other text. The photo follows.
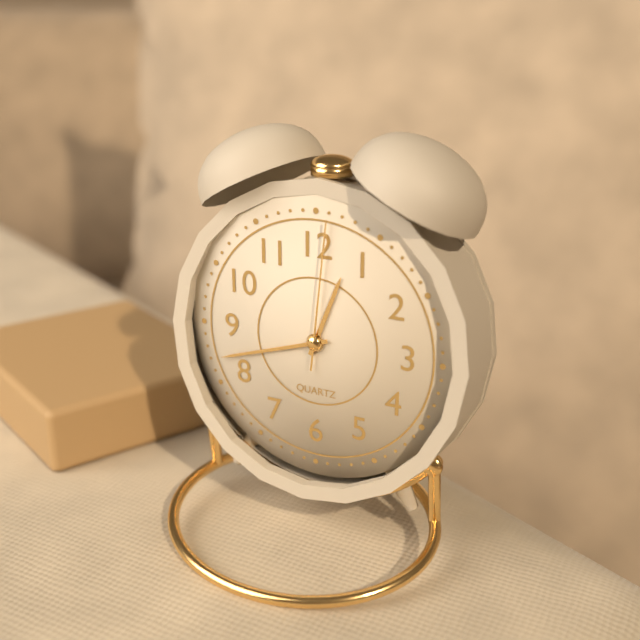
h=12 m=42 s=1
